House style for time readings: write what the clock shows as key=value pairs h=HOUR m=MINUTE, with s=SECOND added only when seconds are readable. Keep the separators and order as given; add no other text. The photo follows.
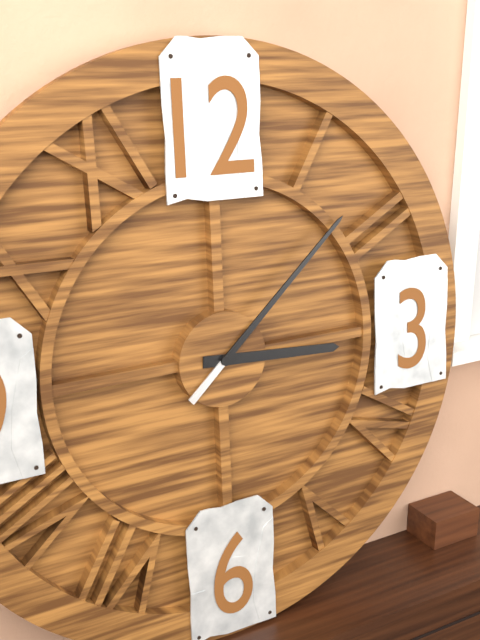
h=3 m=8
